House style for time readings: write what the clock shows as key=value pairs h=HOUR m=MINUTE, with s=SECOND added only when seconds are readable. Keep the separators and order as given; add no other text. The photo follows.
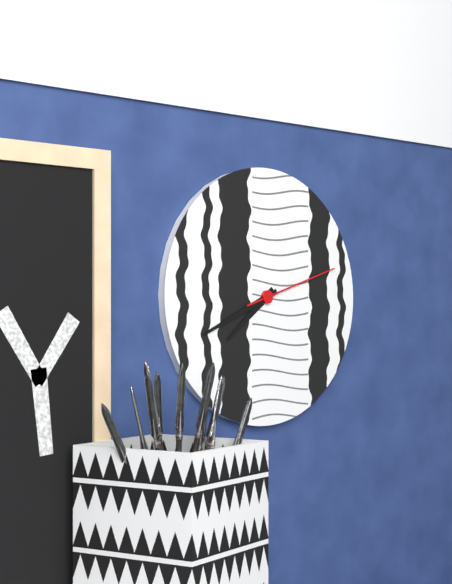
h=7 m=41 s=12
